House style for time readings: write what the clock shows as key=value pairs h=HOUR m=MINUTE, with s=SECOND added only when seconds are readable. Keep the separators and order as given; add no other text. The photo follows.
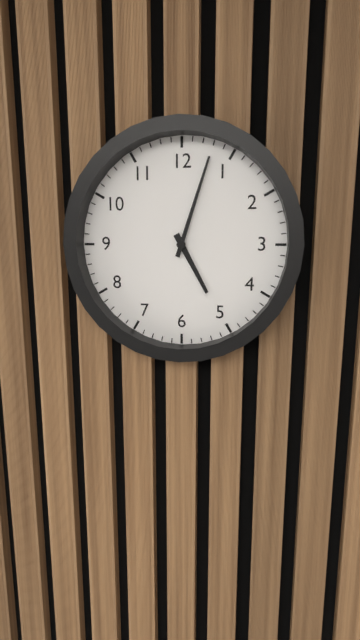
h=5 m=3
